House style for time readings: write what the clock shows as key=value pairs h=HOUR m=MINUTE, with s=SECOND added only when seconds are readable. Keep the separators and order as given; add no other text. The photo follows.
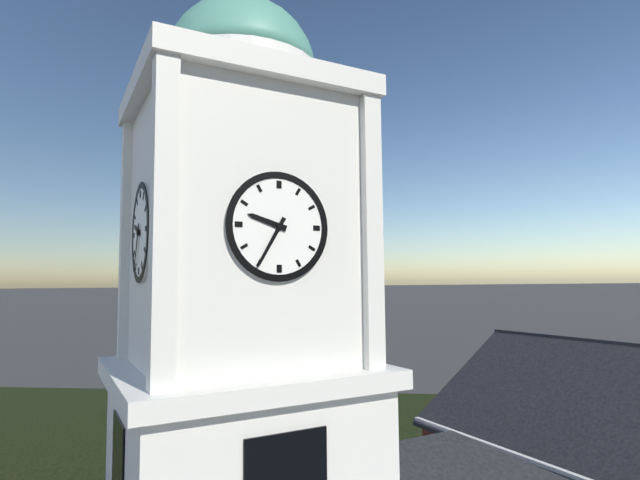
h=9 m=35
